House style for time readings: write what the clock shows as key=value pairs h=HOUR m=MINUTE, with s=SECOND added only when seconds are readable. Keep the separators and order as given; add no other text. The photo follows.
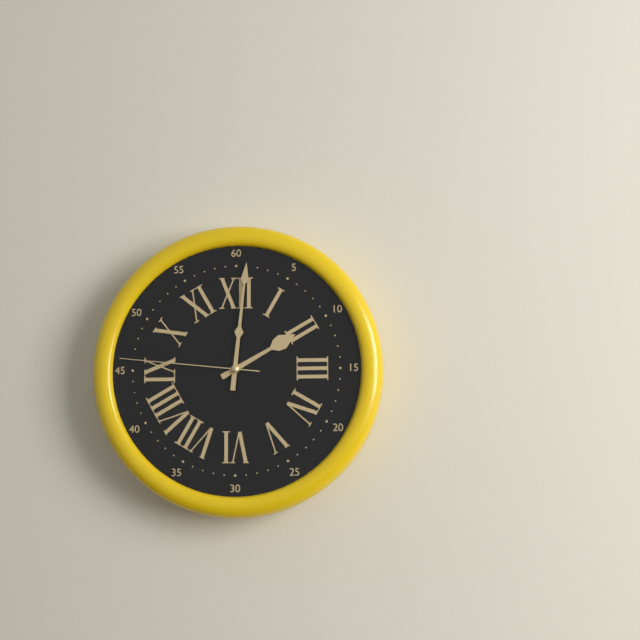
h=2 m=1 s=46
